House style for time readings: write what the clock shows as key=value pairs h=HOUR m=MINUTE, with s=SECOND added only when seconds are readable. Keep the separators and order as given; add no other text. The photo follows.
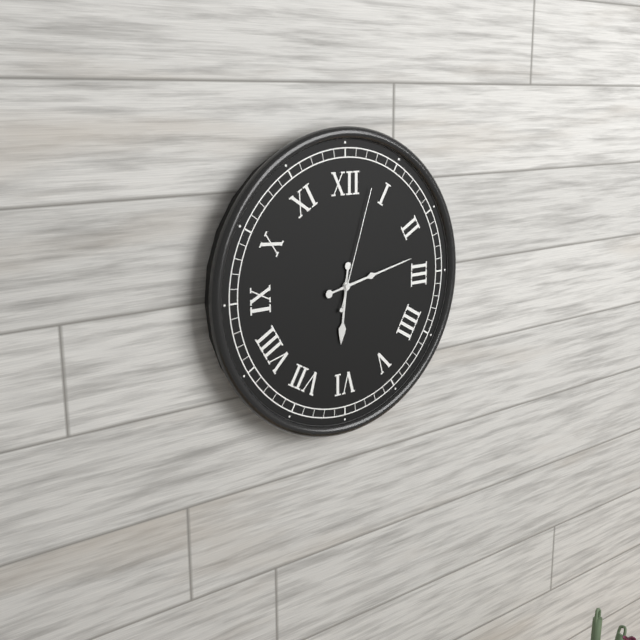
h=6 m=13 s=3
